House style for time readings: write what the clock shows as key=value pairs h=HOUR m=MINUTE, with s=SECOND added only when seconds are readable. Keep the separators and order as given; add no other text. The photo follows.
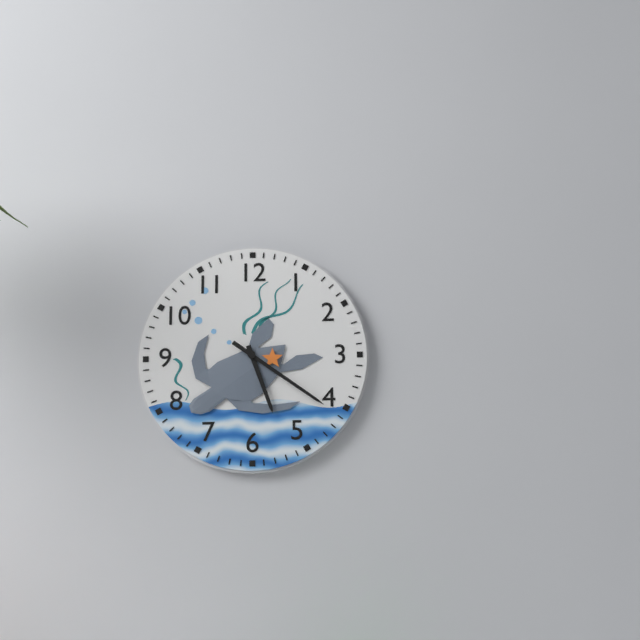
h=5 m=21
